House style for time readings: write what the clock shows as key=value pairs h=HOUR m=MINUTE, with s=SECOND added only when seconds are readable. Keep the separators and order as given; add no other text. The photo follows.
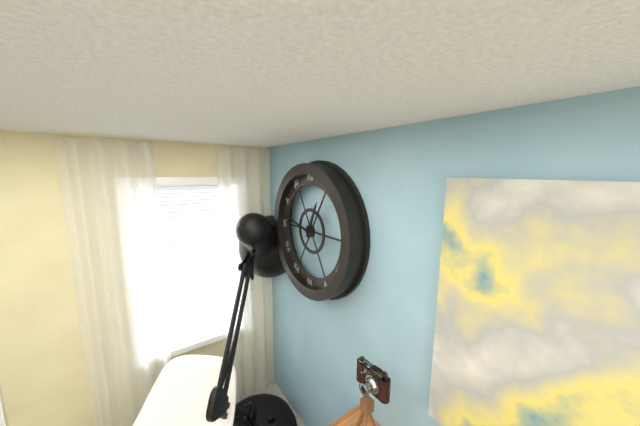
h=12 m=47
